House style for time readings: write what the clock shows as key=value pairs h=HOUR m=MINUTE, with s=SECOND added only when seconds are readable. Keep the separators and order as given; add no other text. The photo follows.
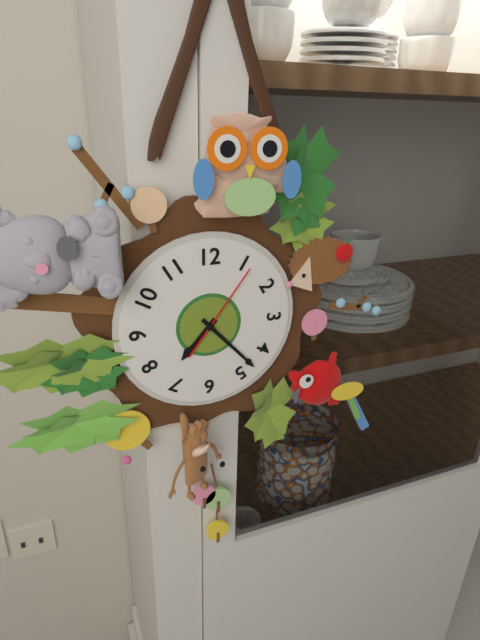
h=7 m=23 s=6
